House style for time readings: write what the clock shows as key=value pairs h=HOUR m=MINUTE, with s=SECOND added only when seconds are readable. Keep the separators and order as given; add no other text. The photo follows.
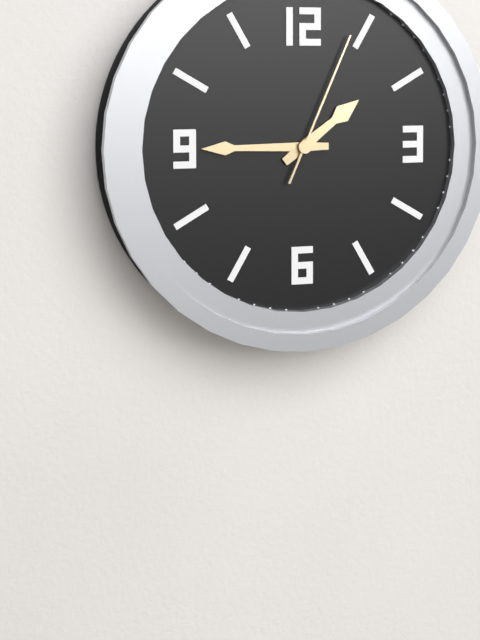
h=1 m=45 s=4
